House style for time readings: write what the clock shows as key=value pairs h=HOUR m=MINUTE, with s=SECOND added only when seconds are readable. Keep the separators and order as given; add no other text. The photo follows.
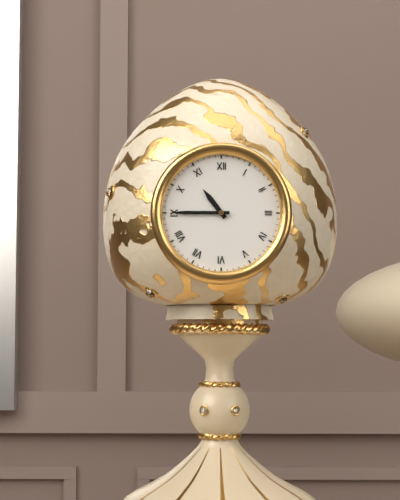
h=10 m=45
